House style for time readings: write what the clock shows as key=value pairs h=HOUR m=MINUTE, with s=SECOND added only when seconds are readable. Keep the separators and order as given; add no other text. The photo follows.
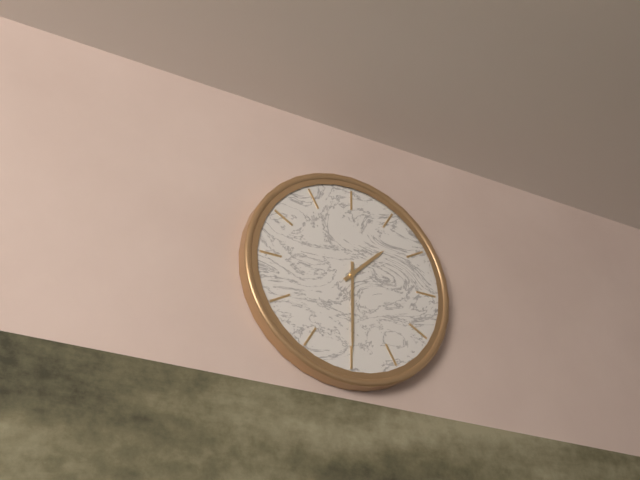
h=1 m=30
